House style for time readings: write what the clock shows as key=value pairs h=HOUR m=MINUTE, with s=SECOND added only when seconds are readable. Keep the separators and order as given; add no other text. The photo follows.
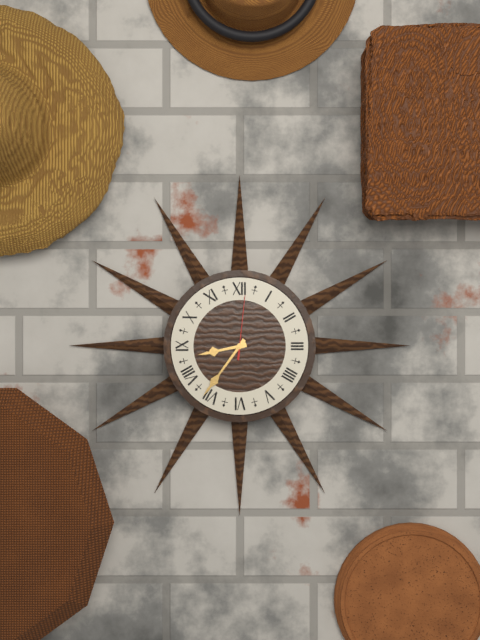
h=8 m=36 s=1
